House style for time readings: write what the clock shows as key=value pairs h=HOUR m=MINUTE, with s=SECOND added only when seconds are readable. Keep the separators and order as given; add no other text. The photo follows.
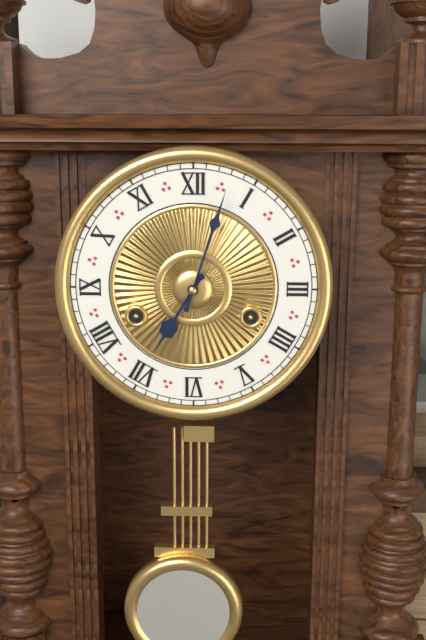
h=7 m=3
